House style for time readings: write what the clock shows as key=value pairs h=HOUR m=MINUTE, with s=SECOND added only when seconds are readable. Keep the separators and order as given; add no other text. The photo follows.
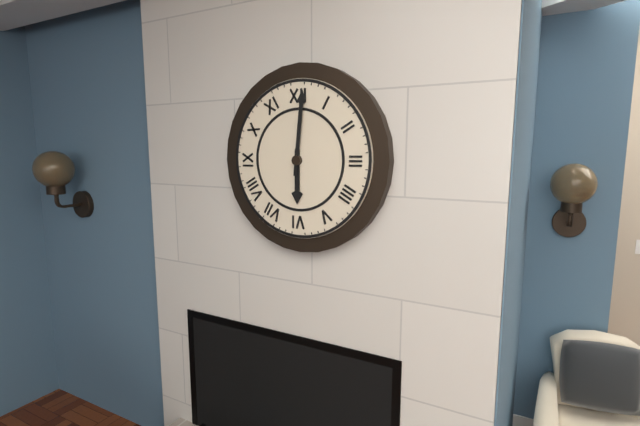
h=6 m=1
